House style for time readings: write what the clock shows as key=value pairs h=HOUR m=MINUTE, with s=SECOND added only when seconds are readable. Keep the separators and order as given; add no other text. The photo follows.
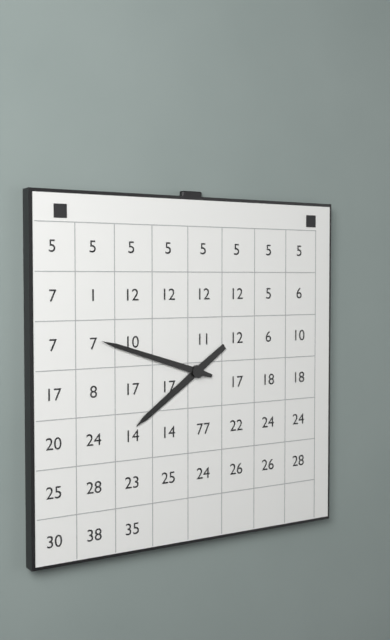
h=7 m=48
